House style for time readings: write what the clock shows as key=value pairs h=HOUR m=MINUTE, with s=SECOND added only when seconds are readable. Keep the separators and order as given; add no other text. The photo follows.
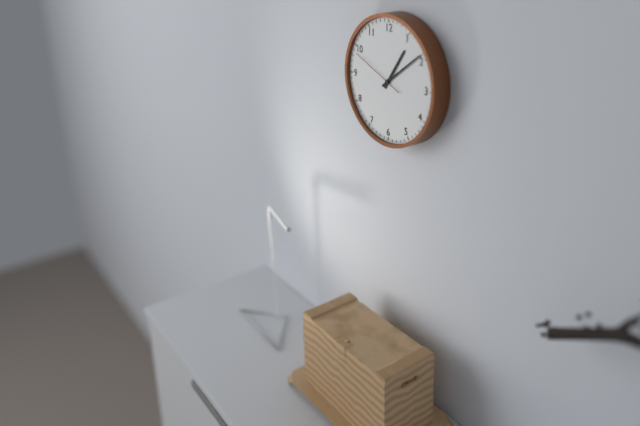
h=1 m=9 s=49
